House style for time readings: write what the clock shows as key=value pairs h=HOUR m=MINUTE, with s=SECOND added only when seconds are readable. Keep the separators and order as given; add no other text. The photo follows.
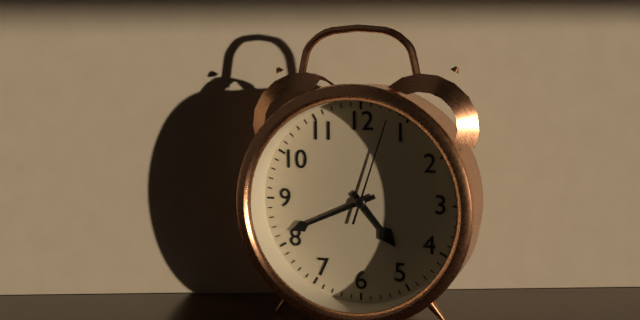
h=4 m=41 s=3
